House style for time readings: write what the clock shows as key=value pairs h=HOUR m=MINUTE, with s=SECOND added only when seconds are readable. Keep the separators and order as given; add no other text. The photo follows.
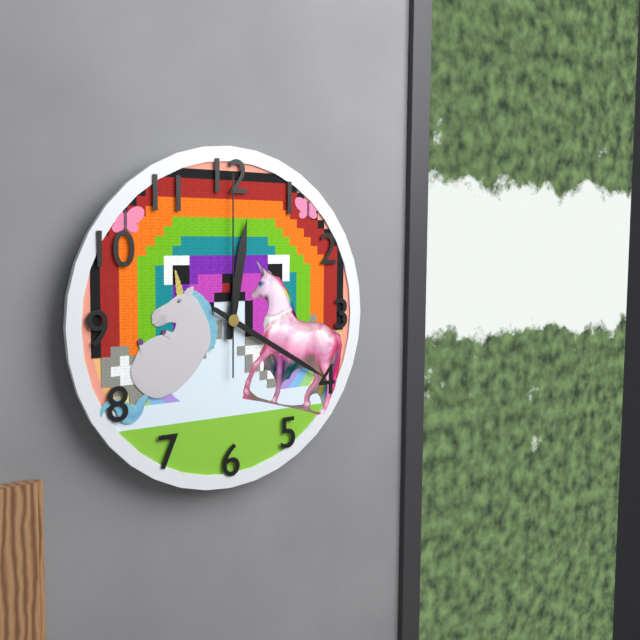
h=12 m=20 s=0
